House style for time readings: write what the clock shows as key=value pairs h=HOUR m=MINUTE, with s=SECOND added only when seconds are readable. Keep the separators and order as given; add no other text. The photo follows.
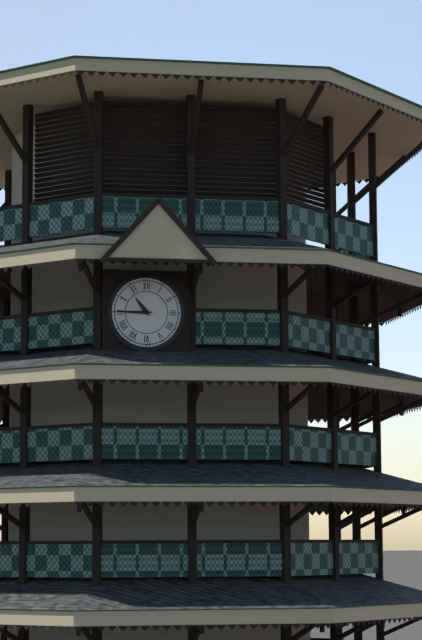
h=10 m=45
